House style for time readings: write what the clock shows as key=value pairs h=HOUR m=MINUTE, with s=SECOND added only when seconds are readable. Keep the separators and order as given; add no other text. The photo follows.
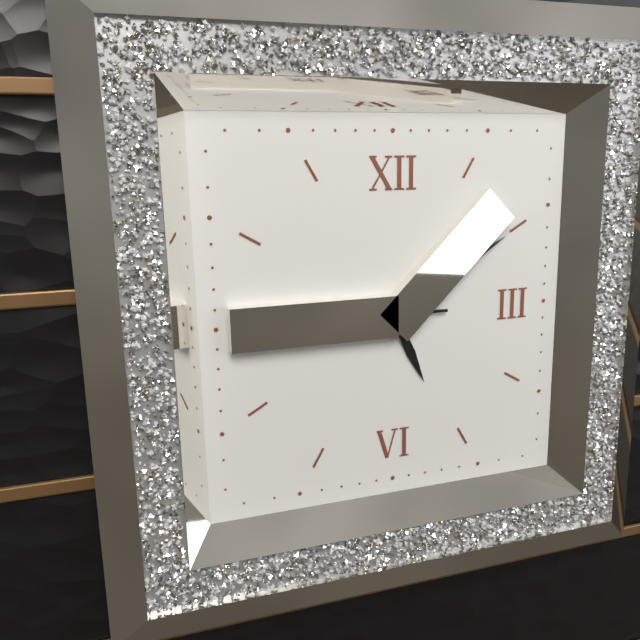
h=5 m=10
